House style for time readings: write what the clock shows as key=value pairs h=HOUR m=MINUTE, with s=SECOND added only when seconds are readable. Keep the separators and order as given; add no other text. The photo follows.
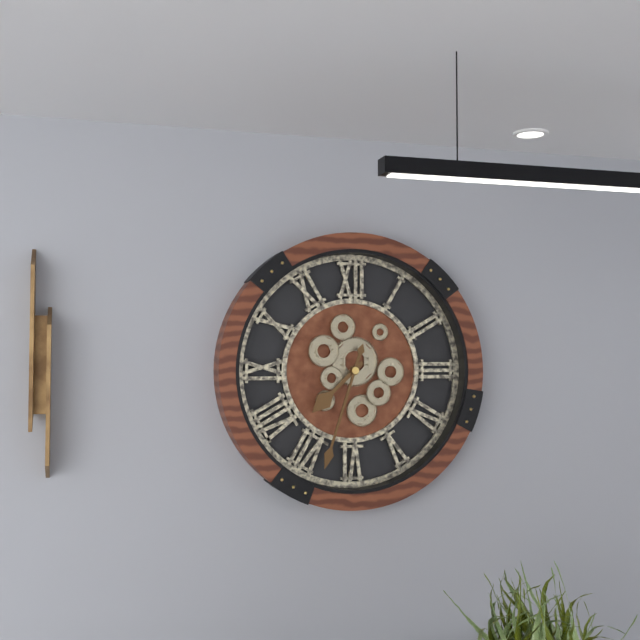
h=7 m=33
